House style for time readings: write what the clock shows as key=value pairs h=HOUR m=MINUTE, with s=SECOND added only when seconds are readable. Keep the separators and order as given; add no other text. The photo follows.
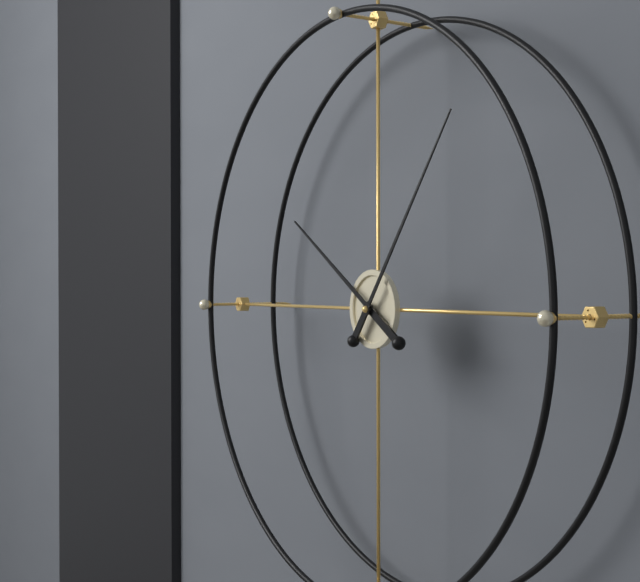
h=10 m=6
